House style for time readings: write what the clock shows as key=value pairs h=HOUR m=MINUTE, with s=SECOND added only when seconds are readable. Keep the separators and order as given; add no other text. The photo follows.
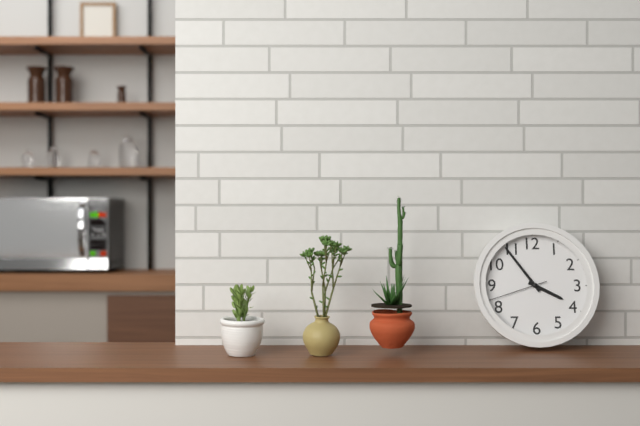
h=3 m=54 s=42
